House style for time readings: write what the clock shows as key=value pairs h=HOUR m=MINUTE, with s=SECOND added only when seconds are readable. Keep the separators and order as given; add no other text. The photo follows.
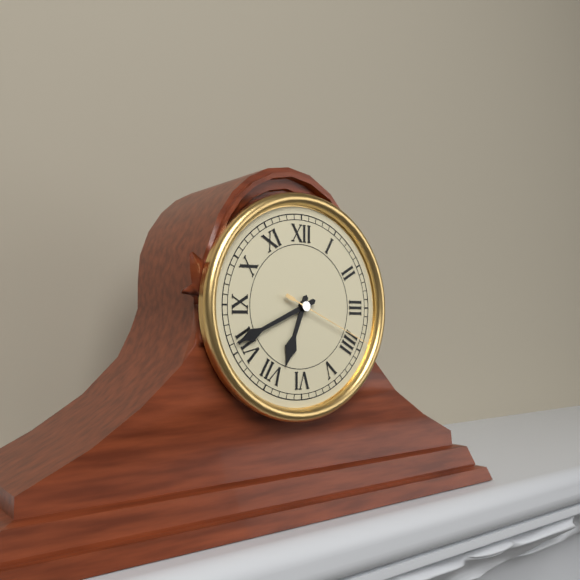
h=6 m=41 s=19
